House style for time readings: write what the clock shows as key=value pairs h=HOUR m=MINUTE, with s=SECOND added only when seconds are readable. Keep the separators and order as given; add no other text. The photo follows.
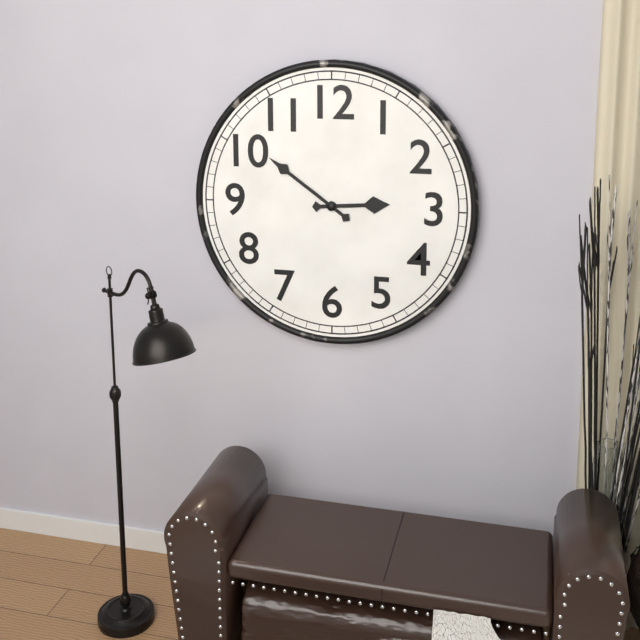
h=2 m=51
